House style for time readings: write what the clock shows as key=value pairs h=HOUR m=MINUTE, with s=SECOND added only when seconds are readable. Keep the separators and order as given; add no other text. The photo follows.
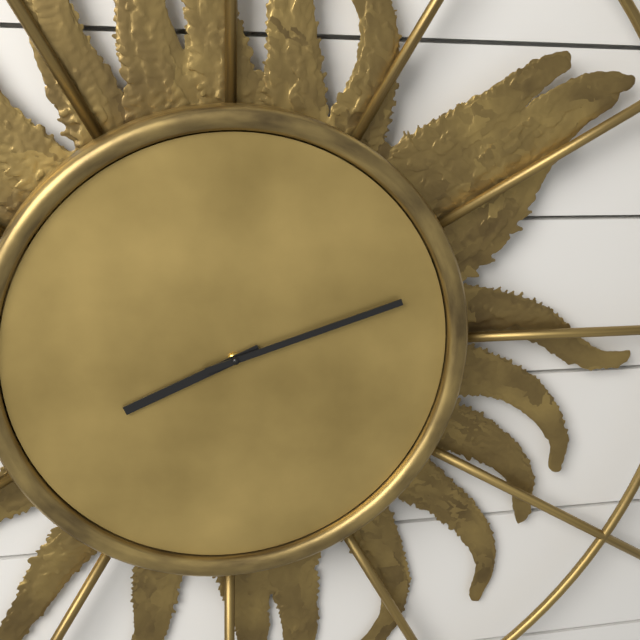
h=8 m=12
